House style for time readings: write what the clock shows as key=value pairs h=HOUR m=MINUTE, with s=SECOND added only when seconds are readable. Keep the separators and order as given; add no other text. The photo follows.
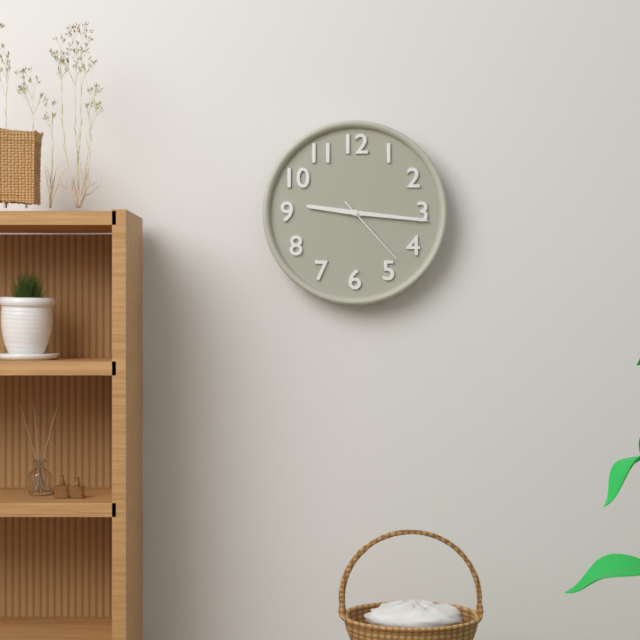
h=9 m=16 s=23
